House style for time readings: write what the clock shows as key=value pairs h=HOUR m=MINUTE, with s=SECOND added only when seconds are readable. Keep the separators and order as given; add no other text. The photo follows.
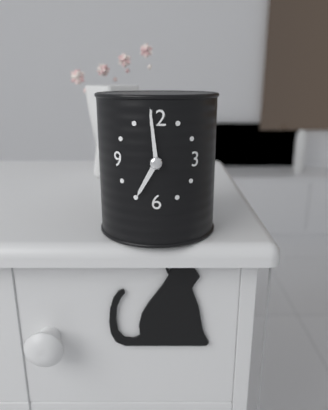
h=6 m=59
